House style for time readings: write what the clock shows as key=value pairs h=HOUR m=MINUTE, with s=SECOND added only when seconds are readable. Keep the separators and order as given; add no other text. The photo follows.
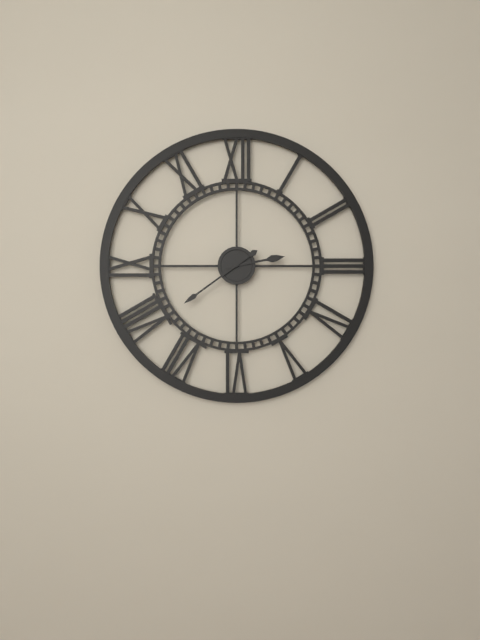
h=2 m=39
